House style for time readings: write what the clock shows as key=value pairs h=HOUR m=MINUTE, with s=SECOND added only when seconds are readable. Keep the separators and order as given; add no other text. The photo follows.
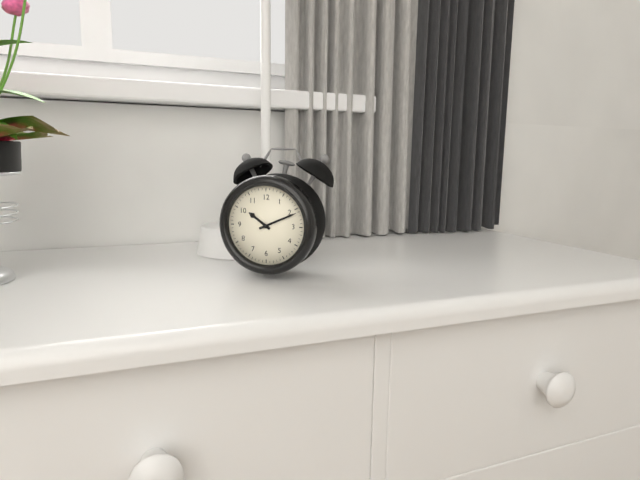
h=10 m=11
